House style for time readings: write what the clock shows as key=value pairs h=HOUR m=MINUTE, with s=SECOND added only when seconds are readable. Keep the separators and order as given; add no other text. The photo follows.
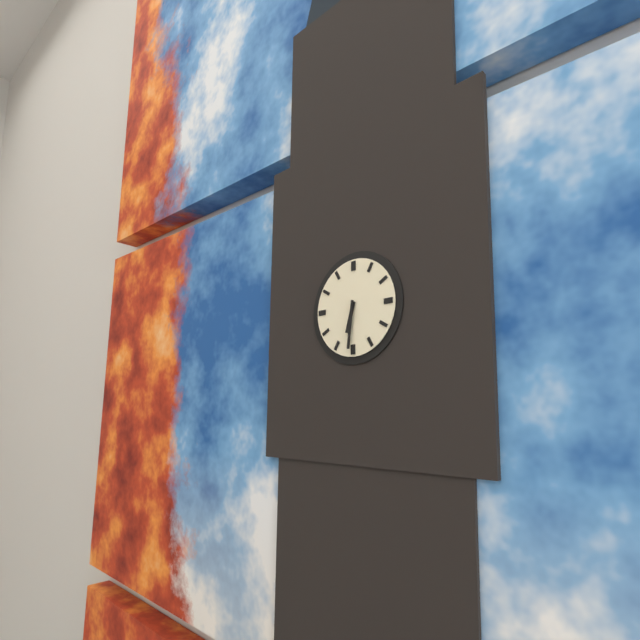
h=6 m=31
